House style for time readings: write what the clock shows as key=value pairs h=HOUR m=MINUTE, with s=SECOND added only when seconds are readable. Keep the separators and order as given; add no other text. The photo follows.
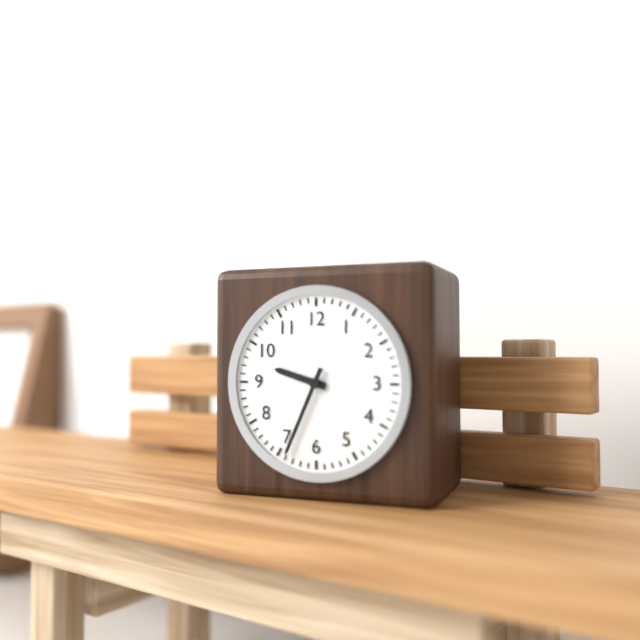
h=9 m=34
